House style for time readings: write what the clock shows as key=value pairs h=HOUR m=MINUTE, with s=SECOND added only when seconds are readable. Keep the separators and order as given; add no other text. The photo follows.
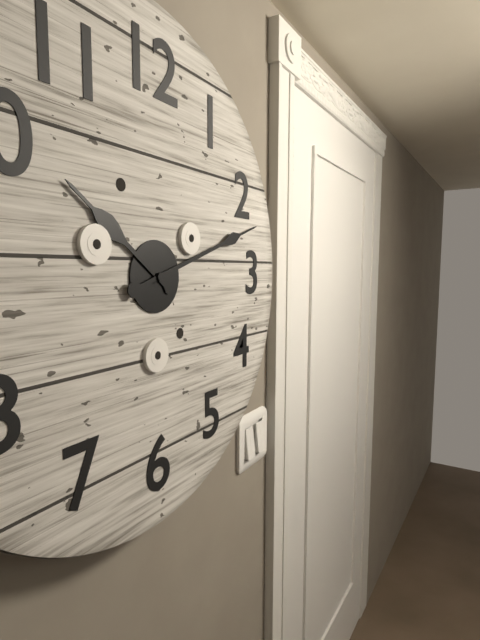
h=10 m=12
